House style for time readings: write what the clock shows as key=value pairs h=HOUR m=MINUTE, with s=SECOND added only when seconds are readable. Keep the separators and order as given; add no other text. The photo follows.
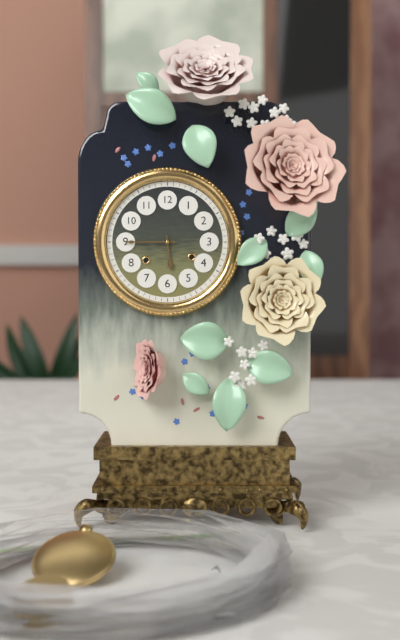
h=5 m=45
